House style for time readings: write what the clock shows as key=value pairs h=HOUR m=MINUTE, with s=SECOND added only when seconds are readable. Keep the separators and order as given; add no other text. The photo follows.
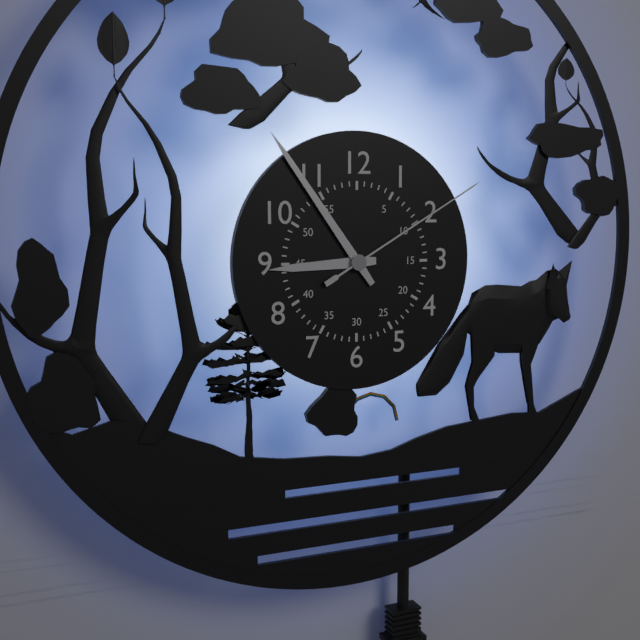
h=8 m=54 s=10
